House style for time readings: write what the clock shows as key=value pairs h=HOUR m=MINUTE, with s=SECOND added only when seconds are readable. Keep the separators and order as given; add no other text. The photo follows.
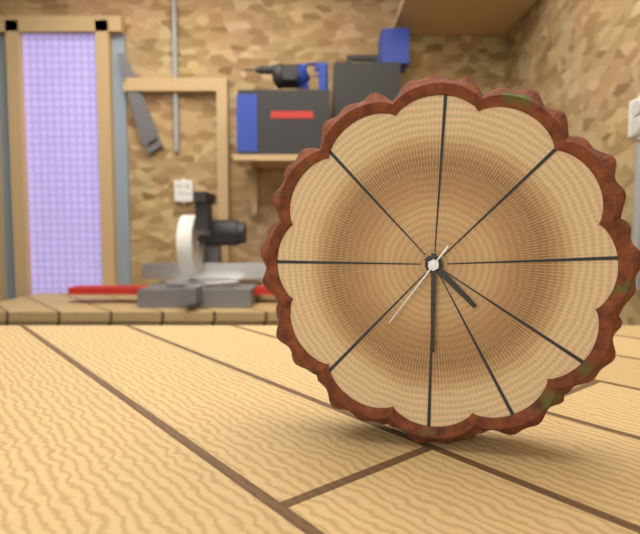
h=4 m=30 s=36
